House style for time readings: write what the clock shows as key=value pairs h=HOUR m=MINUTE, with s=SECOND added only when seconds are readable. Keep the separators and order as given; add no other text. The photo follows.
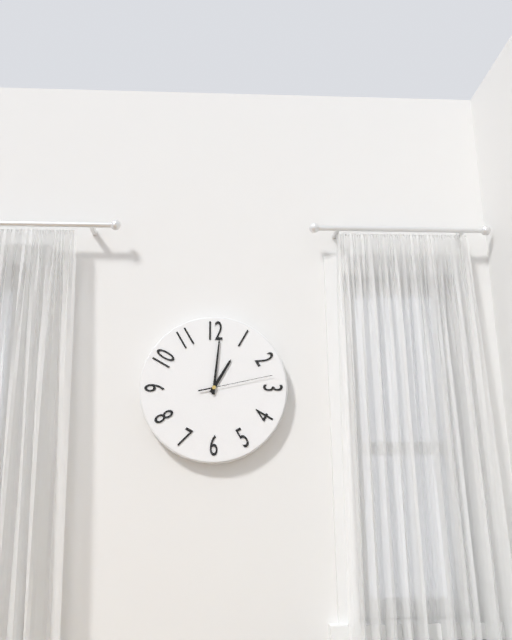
h=1 m=1 s=13
